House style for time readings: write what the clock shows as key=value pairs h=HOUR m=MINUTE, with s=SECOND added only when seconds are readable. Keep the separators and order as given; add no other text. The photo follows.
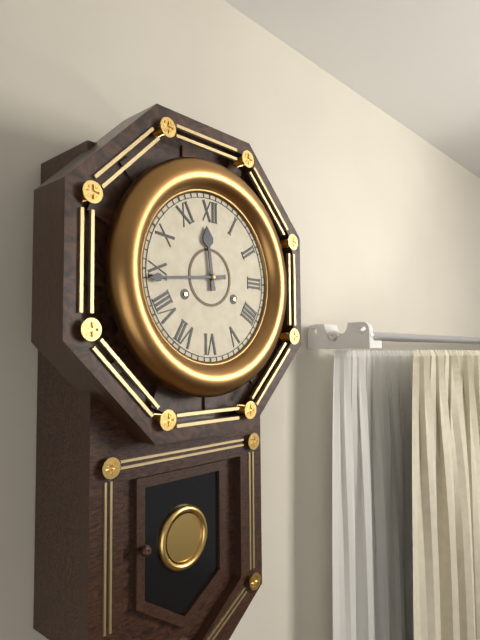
h=11 m=44
